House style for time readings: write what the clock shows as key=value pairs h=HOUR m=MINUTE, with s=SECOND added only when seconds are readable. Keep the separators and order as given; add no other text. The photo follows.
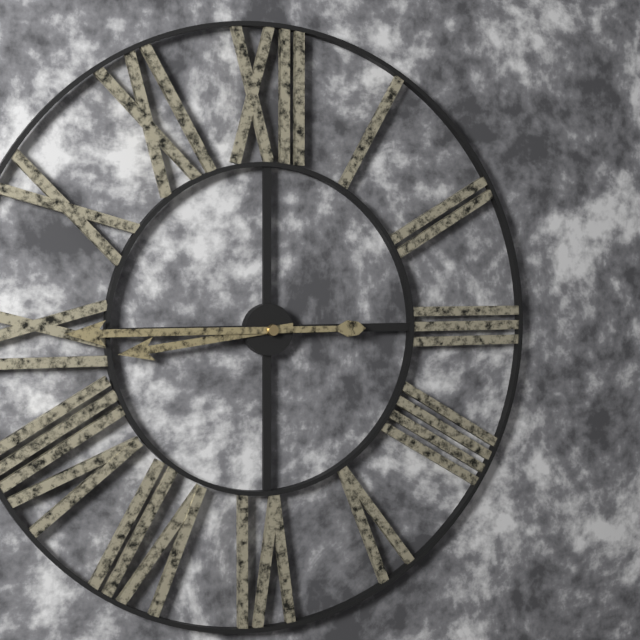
h=8 m=45
